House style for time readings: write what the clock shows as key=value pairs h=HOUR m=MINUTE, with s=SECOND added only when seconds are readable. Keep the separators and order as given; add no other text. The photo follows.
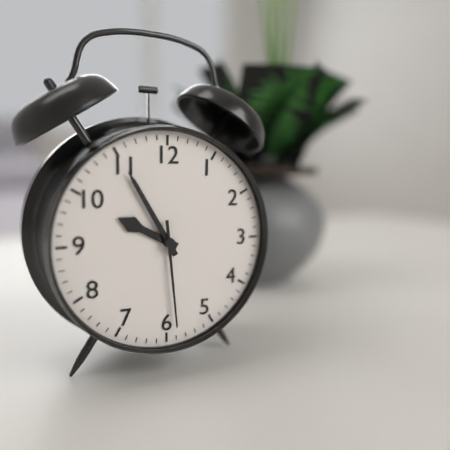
h=9 m=55 s=29
